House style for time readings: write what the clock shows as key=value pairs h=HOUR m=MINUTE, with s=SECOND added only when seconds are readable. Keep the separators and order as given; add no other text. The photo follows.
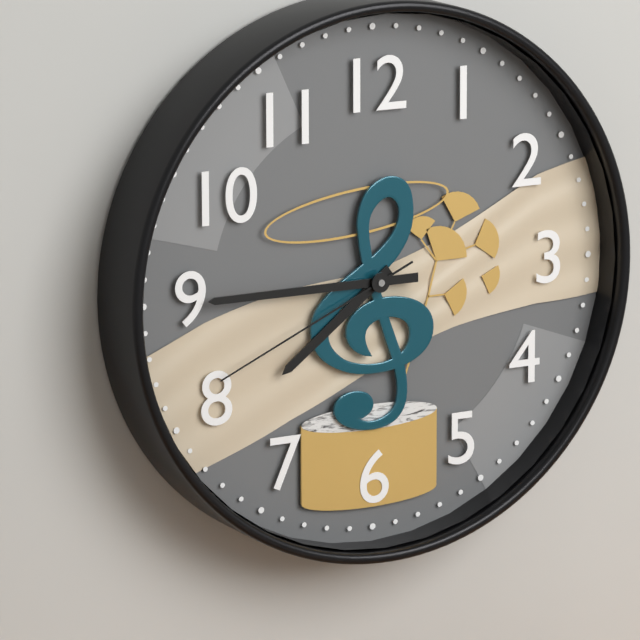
h=7 m=45 s=41
